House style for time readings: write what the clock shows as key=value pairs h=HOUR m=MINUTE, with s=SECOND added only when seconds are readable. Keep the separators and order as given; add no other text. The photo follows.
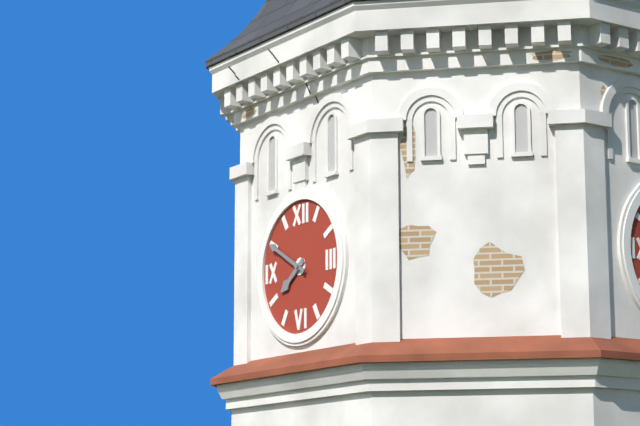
h=7 m=50
